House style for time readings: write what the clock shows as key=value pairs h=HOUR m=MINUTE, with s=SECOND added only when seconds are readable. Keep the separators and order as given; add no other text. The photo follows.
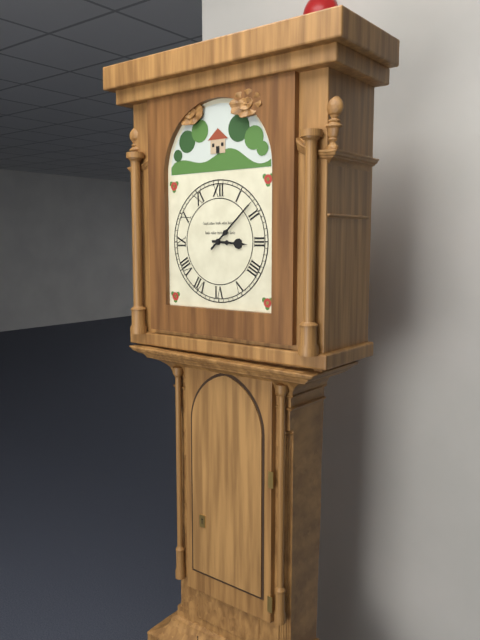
h=3 m=8
